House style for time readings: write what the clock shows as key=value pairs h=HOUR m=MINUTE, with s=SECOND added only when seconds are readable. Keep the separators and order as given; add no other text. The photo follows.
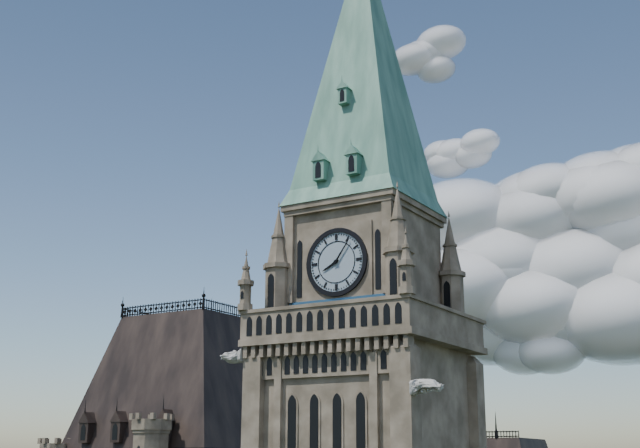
h=8 m=6
